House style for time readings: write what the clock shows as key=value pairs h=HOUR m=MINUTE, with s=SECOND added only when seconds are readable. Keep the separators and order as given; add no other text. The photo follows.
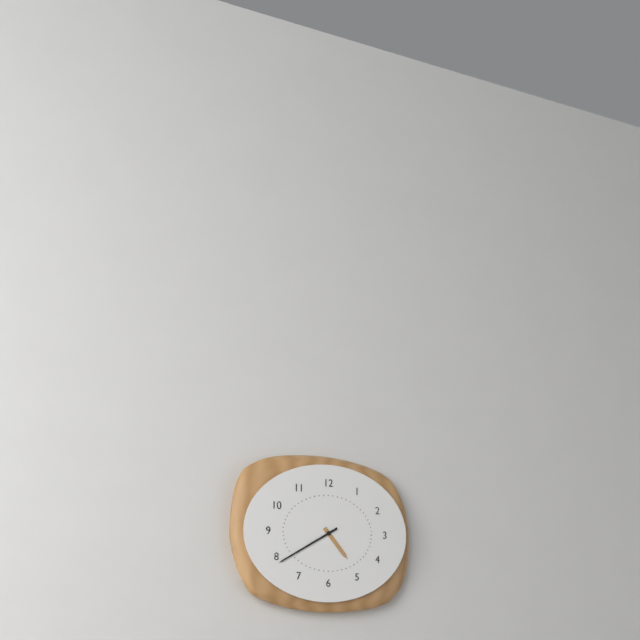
h=4 m=40
